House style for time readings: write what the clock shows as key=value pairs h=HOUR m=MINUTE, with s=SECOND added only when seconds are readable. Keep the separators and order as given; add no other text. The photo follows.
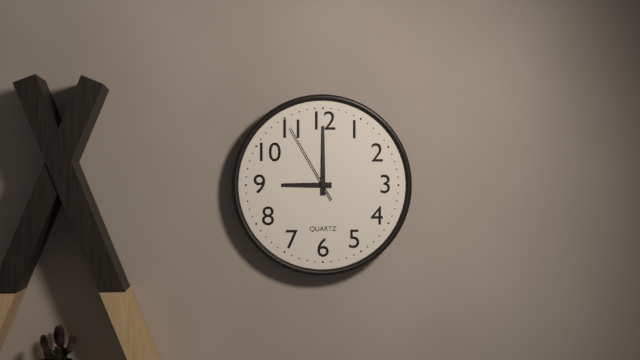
h=9 m=0 s=55
